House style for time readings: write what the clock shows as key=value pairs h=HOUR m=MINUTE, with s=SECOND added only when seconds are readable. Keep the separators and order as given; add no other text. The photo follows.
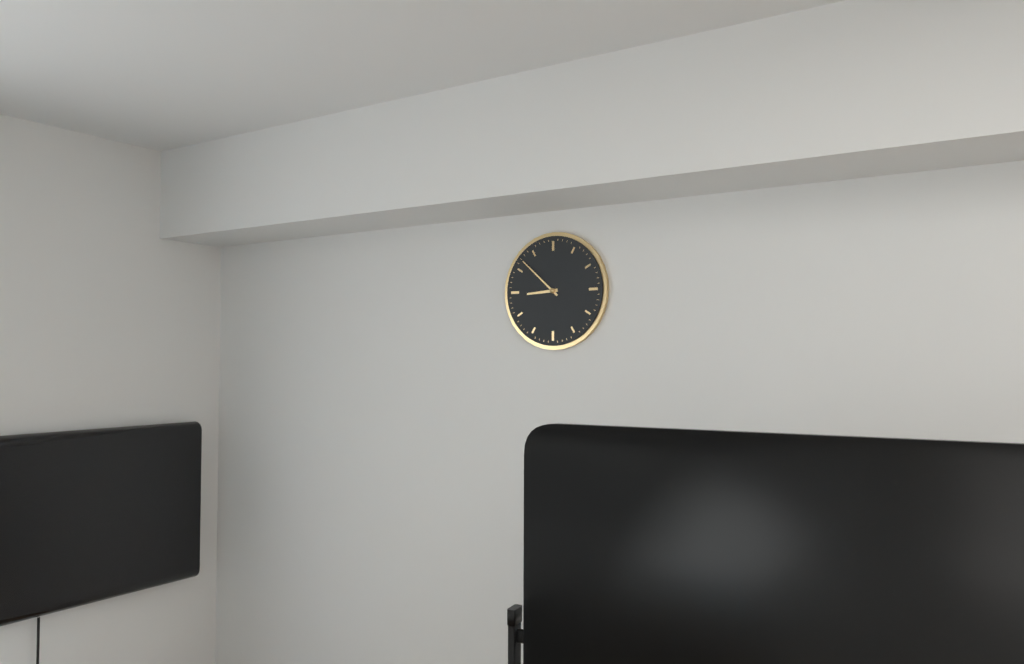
h=8 m=52
